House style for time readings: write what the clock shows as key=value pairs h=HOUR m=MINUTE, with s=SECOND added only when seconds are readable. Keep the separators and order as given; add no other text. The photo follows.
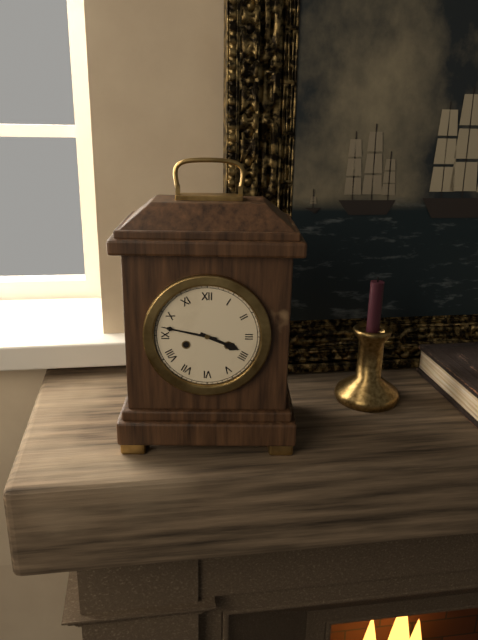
h=3 m=47
